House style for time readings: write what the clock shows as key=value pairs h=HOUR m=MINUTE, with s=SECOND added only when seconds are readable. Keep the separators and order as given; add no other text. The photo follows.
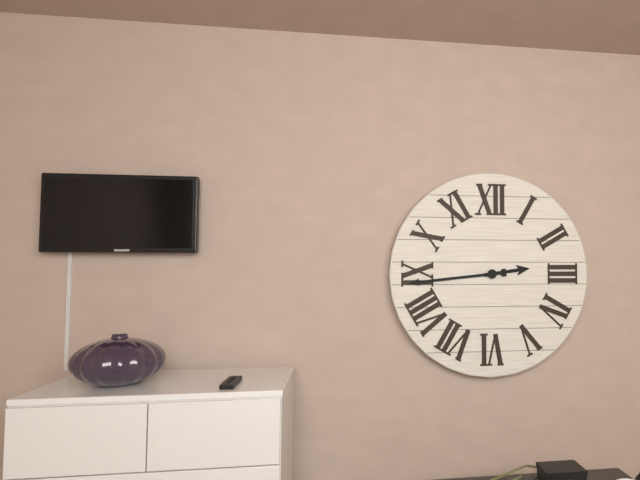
h=2 m=44
